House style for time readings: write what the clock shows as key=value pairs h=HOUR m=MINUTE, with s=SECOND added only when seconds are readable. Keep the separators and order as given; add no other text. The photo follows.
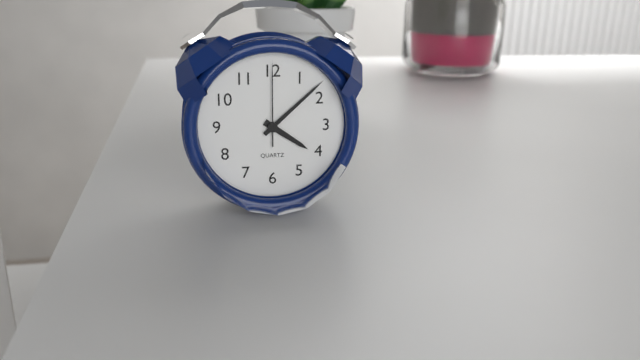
h=4 m=8 s=0
